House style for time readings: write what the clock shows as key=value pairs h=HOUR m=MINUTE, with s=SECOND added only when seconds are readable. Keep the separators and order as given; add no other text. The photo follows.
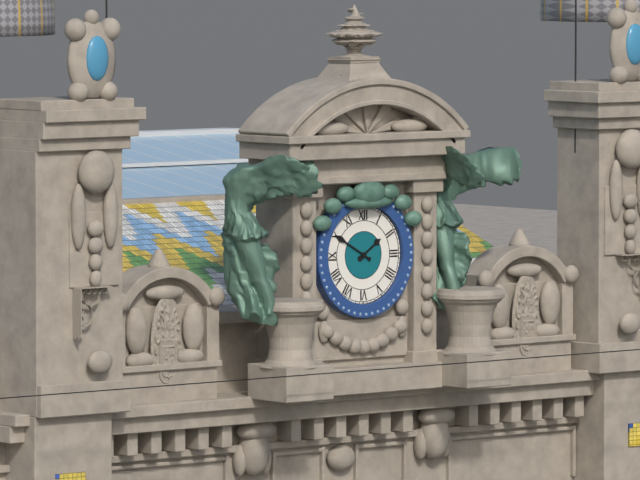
h=1 m=50
